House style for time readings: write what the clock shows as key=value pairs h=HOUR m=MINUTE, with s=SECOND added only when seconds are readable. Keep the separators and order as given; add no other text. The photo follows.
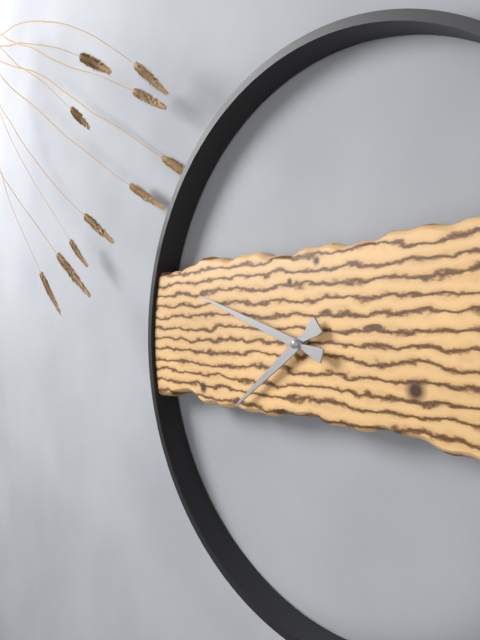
h=7 m=48
